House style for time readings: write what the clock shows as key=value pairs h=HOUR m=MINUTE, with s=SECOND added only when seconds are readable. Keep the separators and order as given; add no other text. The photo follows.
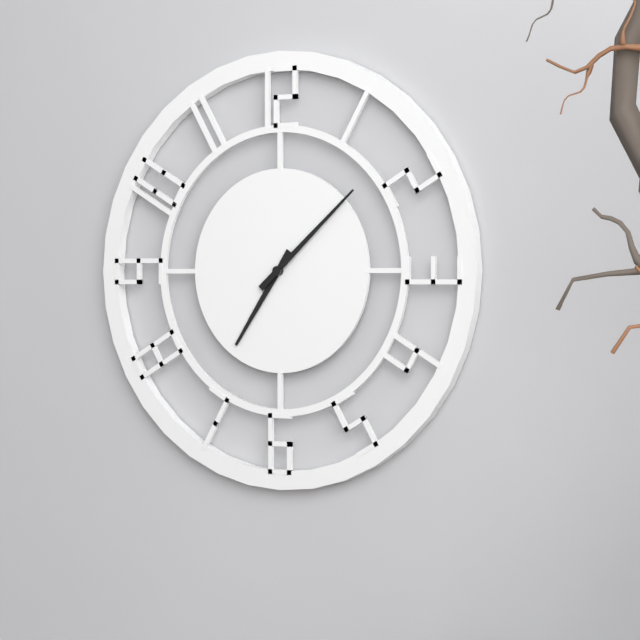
h=7 m=8
